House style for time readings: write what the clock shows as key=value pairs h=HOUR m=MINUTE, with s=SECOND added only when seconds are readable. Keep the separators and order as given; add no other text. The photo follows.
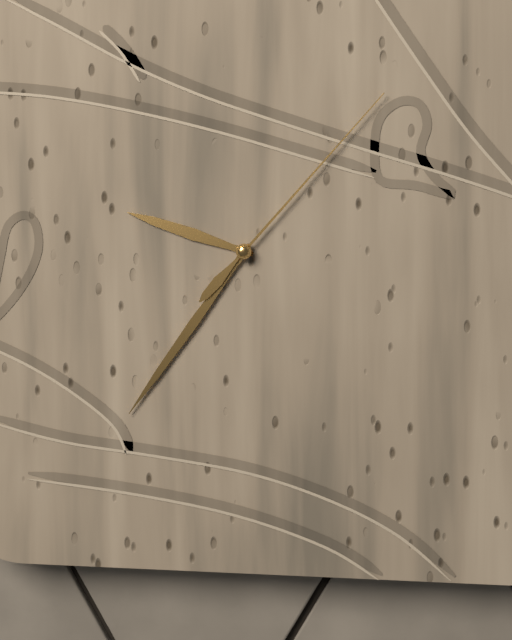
h=9 m=36 s=7
